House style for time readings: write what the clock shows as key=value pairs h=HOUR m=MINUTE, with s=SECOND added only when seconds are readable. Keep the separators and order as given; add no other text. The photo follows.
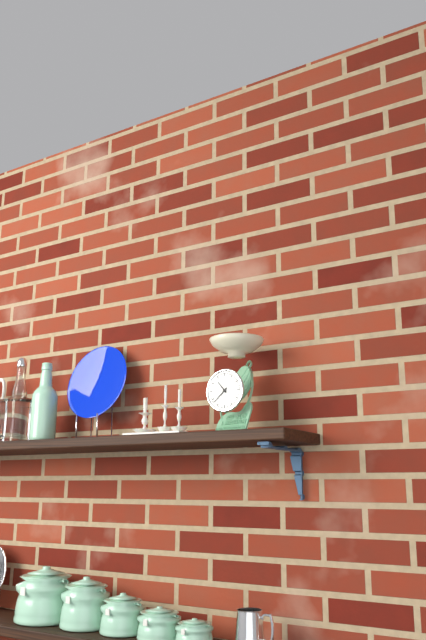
h=10 m=38
